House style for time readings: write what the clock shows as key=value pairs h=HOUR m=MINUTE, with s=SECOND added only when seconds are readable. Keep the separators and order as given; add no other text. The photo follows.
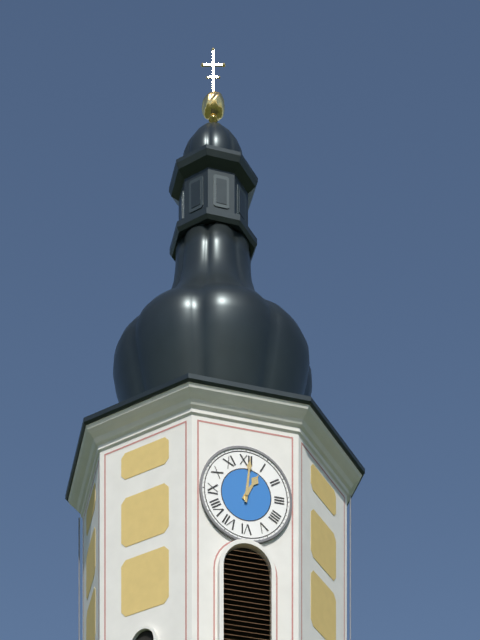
h=1 m=1
